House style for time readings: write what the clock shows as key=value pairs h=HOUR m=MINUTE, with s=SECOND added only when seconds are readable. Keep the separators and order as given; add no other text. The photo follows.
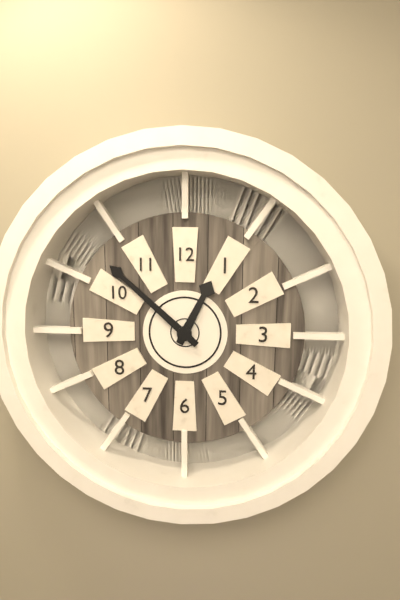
h=12 m=52
